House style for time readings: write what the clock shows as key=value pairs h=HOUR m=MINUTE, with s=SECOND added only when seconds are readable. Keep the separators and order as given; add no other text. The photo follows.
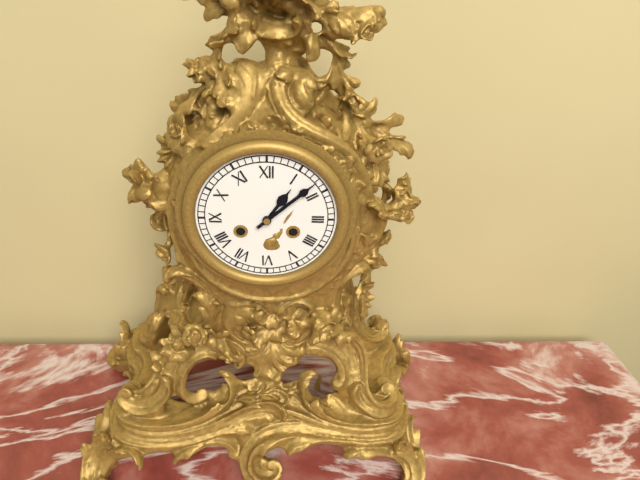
h=1 m=8
